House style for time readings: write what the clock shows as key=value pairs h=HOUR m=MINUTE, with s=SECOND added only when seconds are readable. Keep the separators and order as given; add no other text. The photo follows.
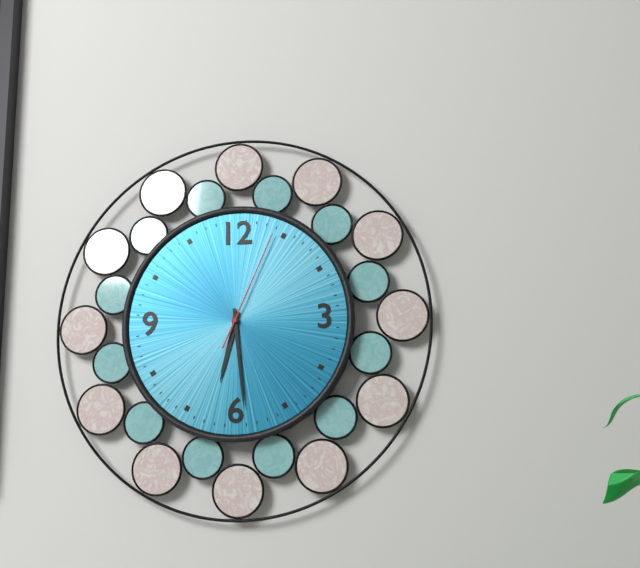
h=6 m=29 s=4
